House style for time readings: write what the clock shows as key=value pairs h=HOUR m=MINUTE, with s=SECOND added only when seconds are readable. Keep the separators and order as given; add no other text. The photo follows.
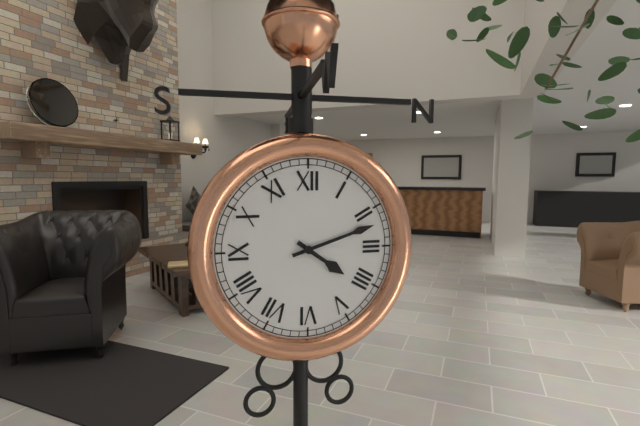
h=4 m=12
